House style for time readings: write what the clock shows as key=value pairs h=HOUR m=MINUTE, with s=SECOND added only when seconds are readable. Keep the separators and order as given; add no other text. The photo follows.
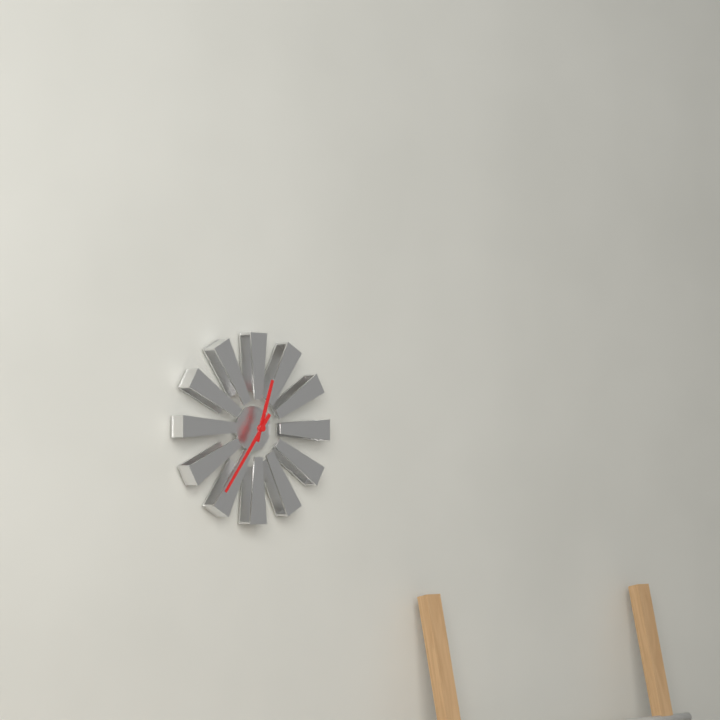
h=12 m=36
